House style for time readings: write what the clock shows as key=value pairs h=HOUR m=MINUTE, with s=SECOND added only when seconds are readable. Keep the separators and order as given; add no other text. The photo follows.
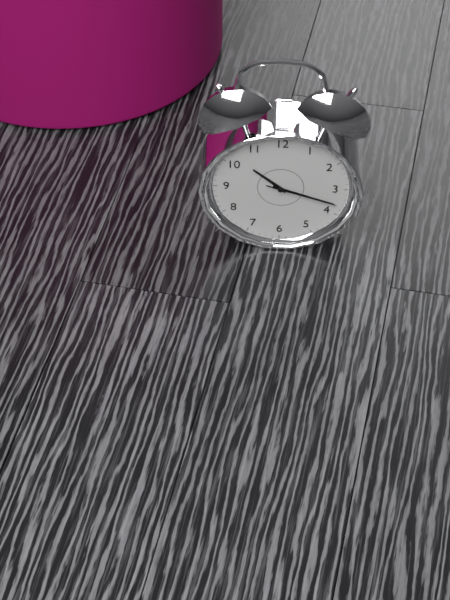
h=10 m=18 s=18
